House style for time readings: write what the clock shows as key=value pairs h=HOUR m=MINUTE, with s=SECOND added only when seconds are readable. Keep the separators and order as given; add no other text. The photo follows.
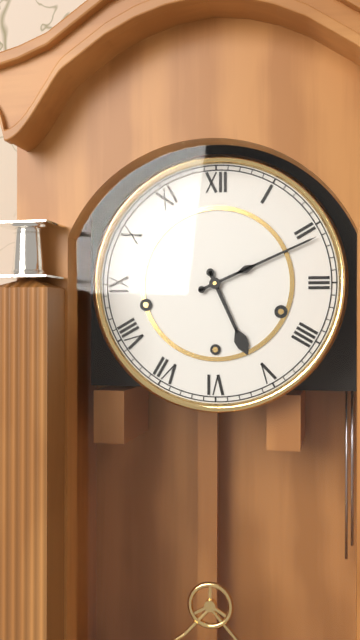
h=5 m=11
